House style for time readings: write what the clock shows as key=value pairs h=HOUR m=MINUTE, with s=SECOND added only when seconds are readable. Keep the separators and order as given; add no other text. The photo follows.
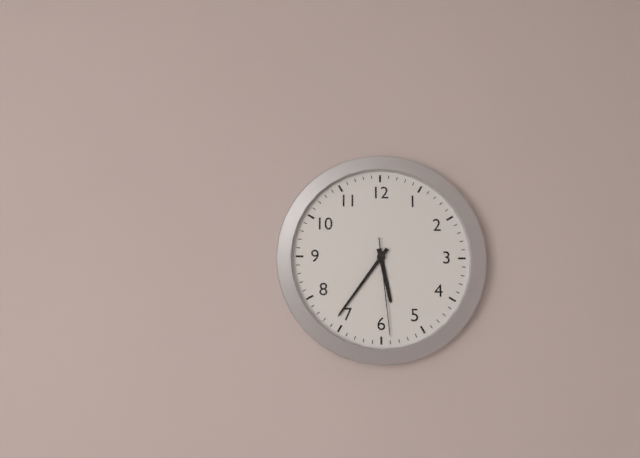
h=5 m=36 s=29
